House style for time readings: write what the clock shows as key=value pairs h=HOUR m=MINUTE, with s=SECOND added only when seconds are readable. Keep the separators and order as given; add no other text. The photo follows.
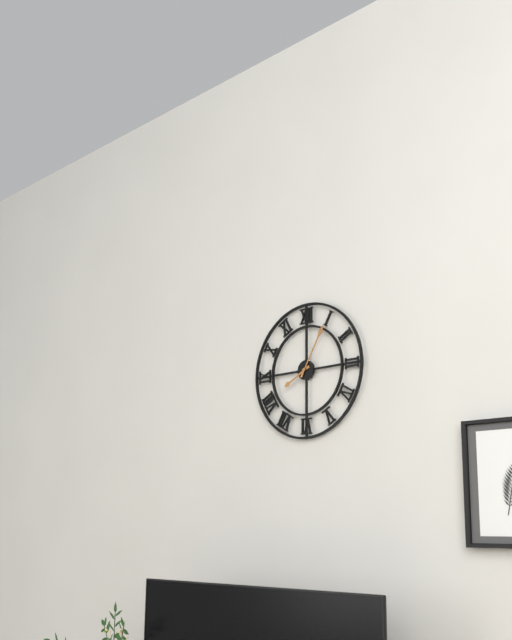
h=8 m=5
